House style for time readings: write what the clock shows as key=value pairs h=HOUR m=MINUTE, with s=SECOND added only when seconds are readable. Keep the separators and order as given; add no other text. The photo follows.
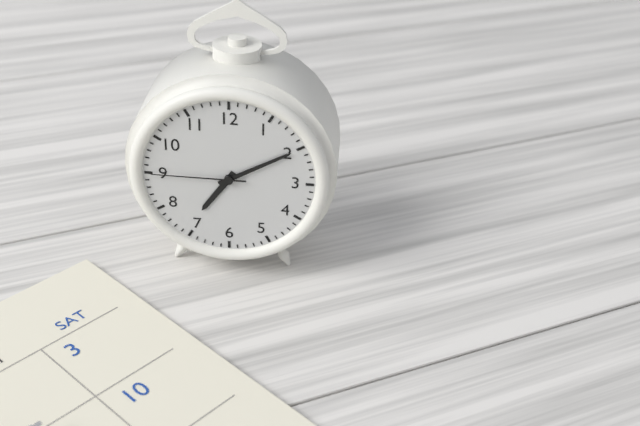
h=7 m=10 s=45
